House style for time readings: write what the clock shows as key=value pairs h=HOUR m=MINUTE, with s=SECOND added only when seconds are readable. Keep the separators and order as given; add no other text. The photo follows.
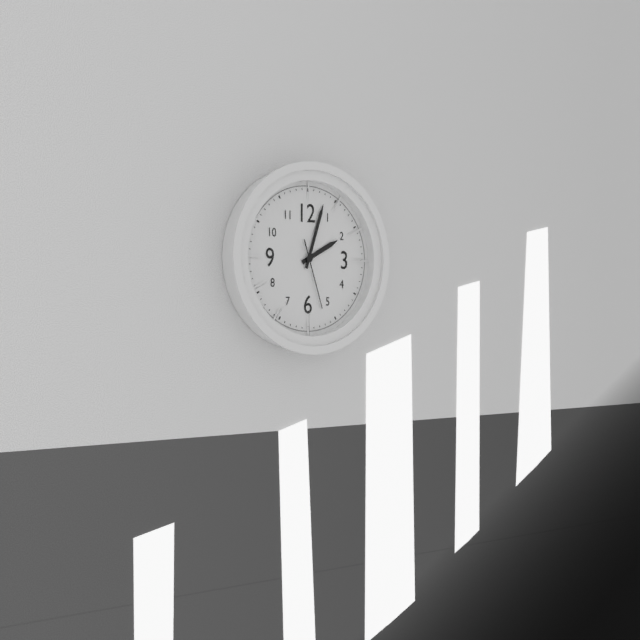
h=2 m=3 s=27
